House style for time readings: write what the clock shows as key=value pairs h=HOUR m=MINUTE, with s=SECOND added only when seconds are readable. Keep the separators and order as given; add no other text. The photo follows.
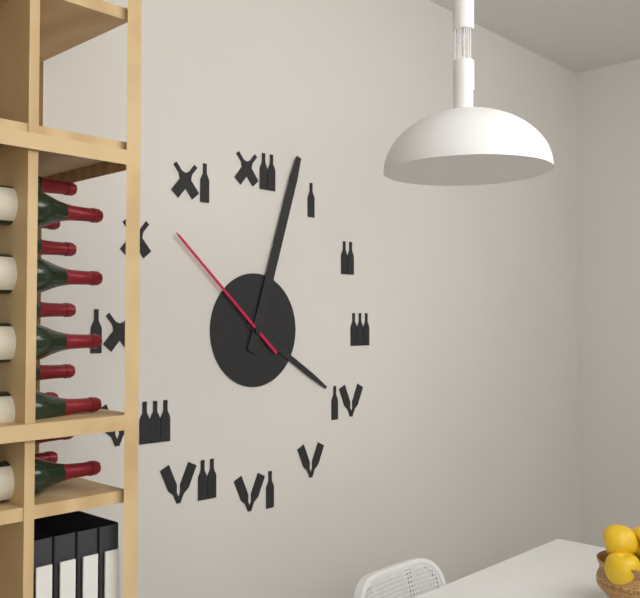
h=4 m=3 s=52
